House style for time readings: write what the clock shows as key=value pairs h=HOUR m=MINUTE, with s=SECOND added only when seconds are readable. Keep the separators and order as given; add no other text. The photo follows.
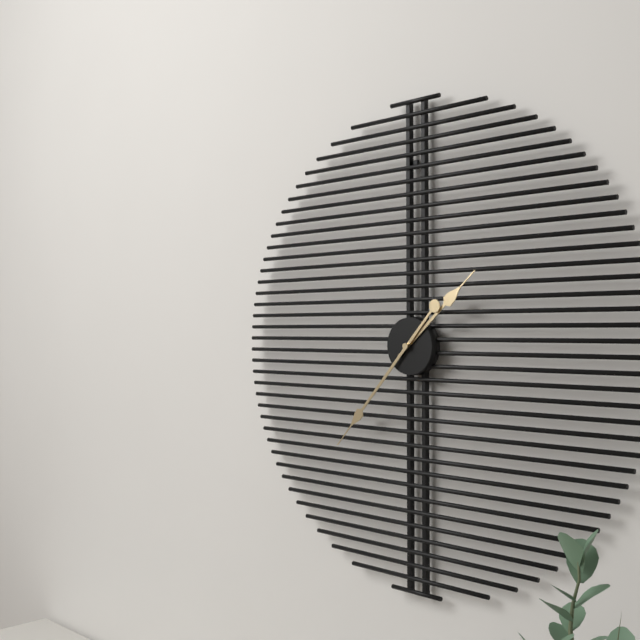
h=1 m=37
